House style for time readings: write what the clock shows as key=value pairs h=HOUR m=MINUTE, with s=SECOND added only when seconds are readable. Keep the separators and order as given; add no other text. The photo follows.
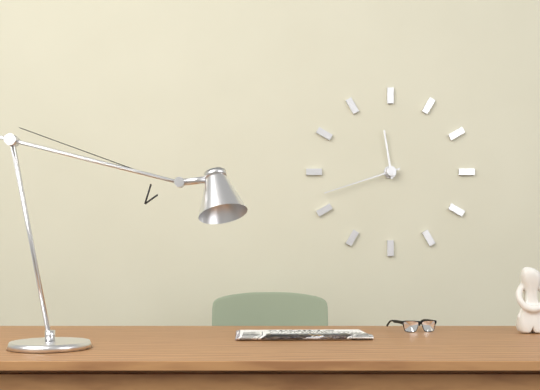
h=11 m=42
